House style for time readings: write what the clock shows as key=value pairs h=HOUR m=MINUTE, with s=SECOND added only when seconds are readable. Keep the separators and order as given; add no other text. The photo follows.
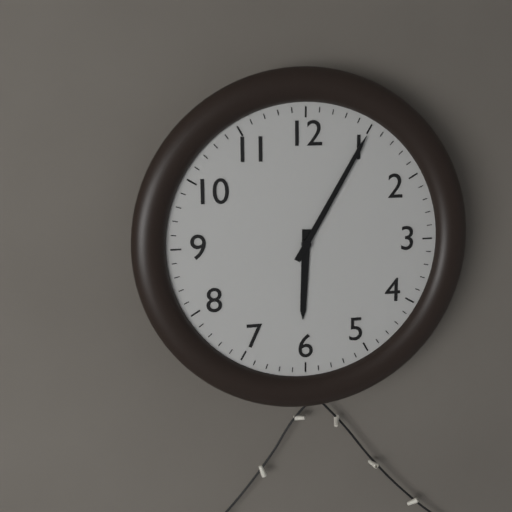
h=6 m=5
